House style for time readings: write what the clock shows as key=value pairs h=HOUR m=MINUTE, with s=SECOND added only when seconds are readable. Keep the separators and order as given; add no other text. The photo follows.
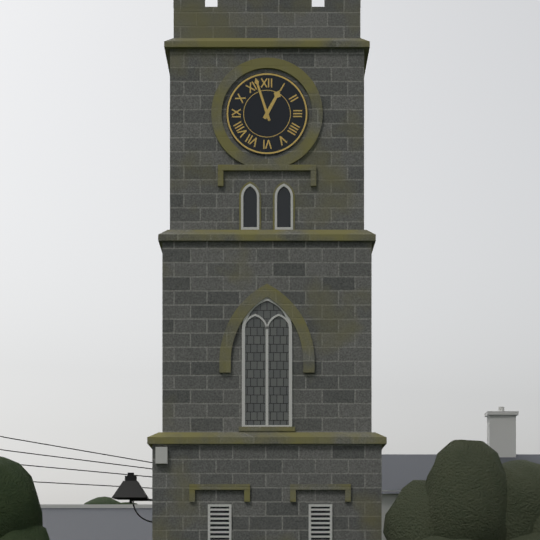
h=12 m=57
